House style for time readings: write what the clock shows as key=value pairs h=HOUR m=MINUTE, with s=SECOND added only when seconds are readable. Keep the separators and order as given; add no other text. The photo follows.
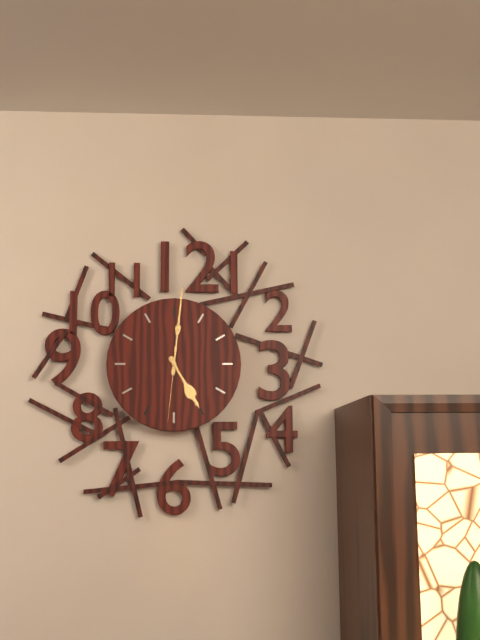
h=5 m=1 s=31
